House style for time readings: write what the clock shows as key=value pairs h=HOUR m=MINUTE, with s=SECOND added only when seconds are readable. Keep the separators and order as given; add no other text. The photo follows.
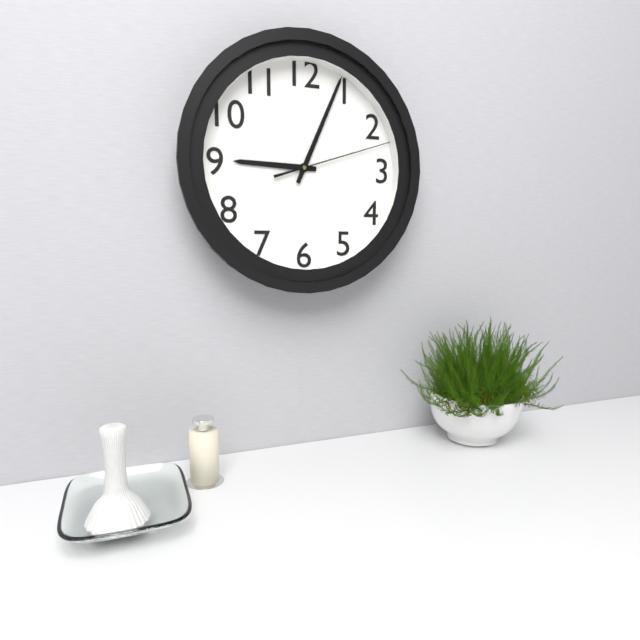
h=9 m=4 s=12
